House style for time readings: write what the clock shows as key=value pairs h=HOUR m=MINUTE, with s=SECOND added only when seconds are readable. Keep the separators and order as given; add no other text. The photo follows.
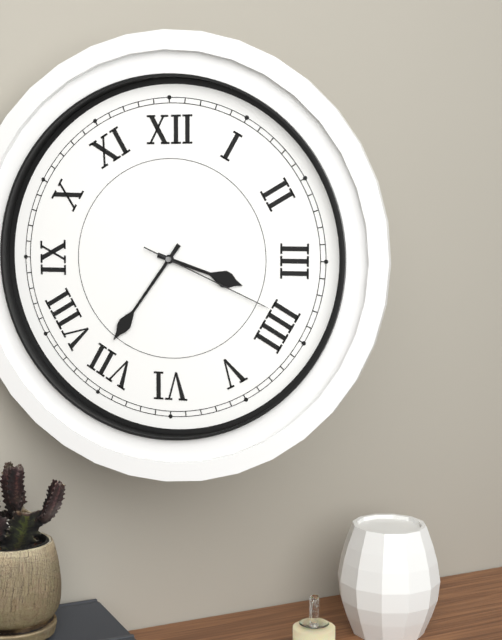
h=3 m=36 s=19
